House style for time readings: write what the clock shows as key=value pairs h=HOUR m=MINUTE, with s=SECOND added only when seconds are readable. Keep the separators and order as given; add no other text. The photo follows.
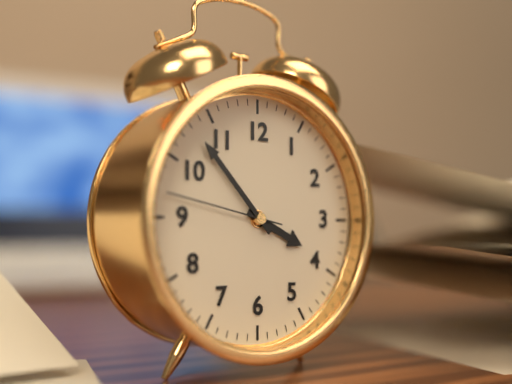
h=3 m=53 s=47
